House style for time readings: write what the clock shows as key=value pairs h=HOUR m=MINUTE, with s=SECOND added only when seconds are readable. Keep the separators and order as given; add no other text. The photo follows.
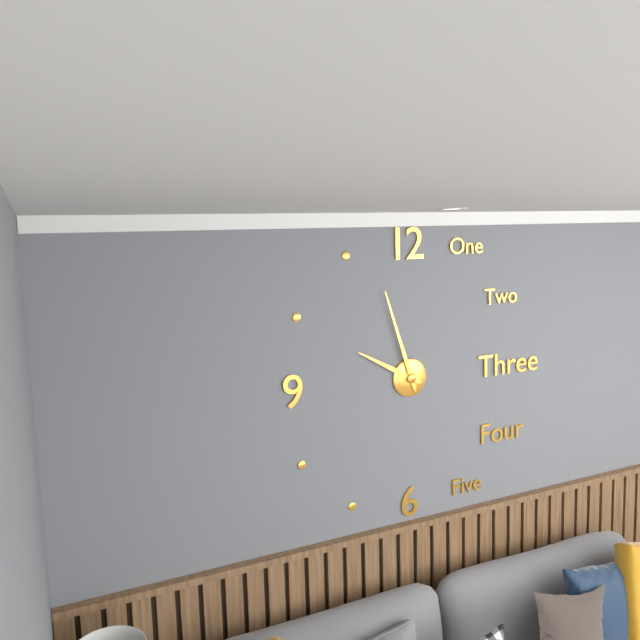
h=9 m=57
